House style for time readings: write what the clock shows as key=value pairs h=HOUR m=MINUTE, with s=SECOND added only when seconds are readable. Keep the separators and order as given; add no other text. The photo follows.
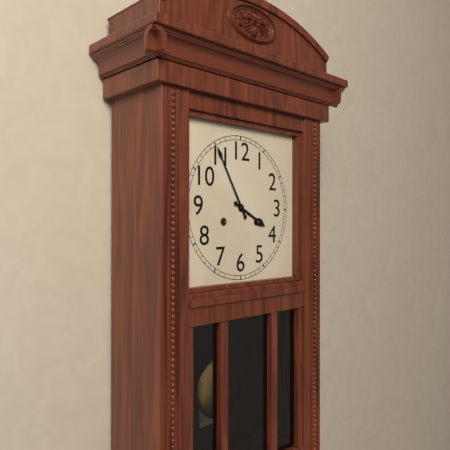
h=3 m=55
